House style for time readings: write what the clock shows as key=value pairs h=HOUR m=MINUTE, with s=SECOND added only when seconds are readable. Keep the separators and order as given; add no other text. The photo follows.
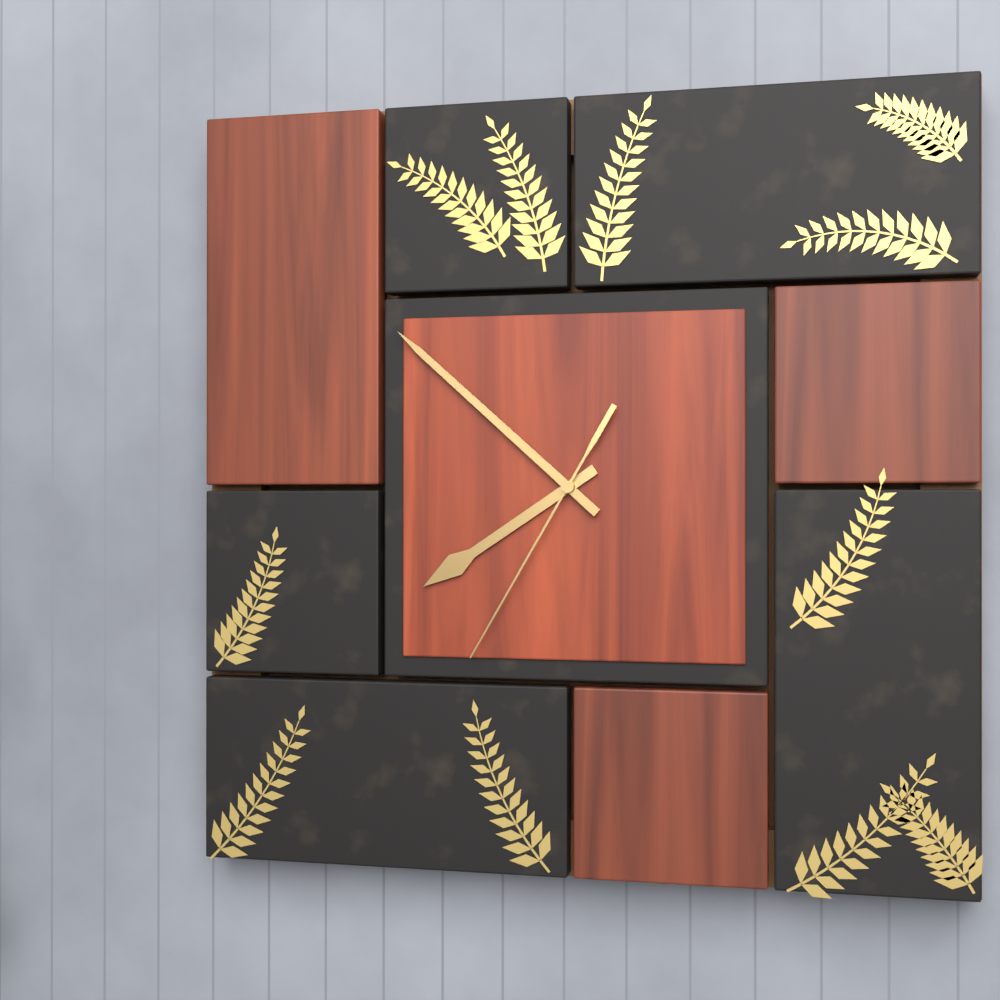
h=7 m=52 s=35
